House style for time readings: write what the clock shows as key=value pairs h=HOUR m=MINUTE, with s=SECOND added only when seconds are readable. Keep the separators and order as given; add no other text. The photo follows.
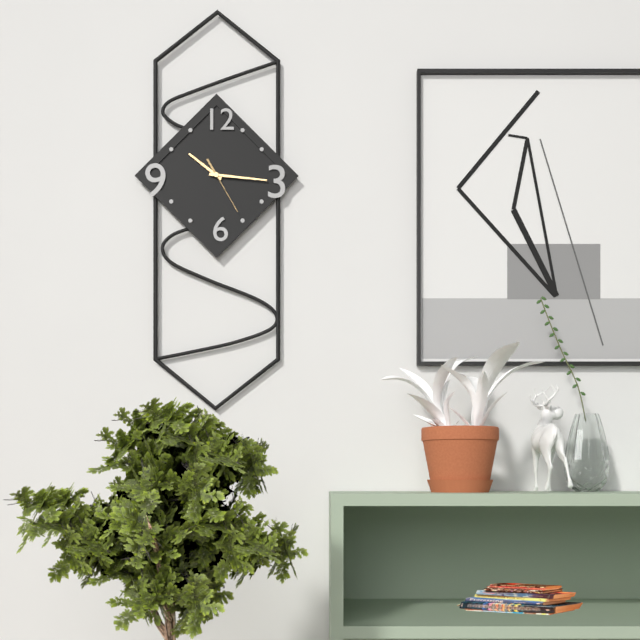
h=10 m=16
